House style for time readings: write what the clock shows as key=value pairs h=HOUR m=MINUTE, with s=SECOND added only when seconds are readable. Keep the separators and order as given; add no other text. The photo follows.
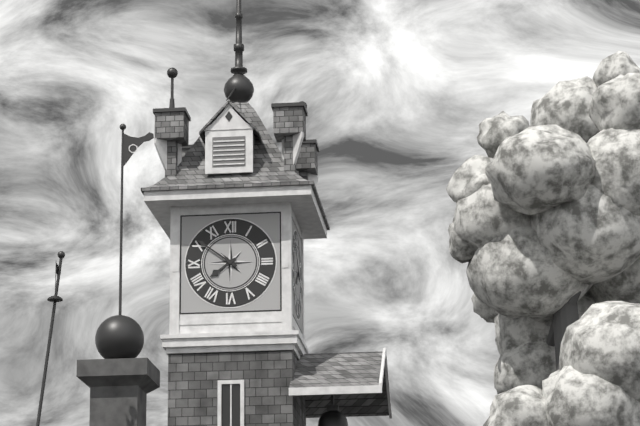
h=7 m=51
